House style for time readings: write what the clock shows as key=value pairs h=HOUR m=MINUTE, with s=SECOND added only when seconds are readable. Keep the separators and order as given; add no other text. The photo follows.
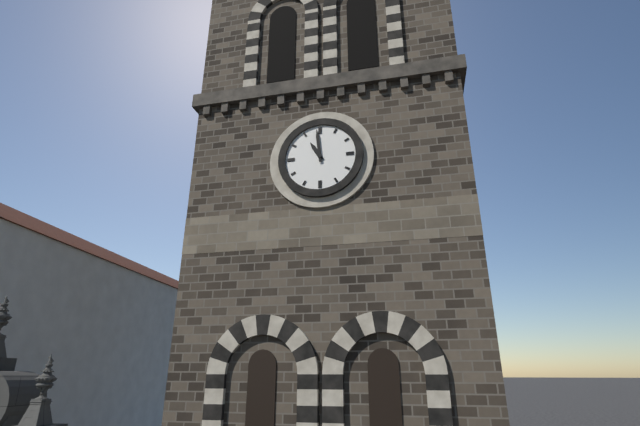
h=10 m=59
